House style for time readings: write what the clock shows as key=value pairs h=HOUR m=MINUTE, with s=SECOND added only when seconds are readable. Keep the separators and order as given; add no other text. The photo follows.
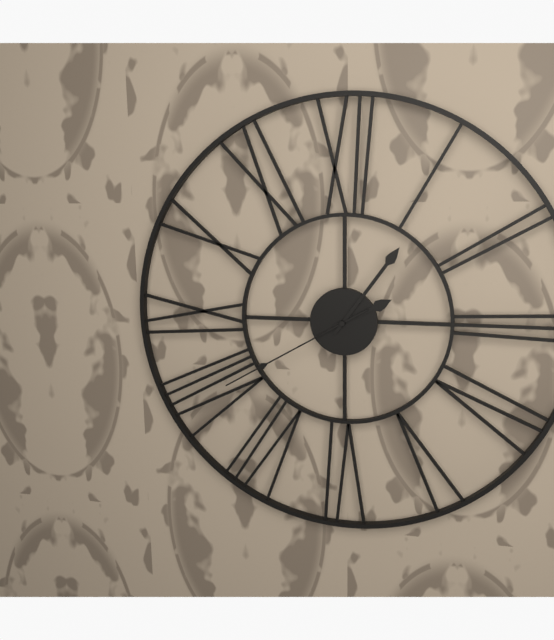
h=2 m=6 s=40
